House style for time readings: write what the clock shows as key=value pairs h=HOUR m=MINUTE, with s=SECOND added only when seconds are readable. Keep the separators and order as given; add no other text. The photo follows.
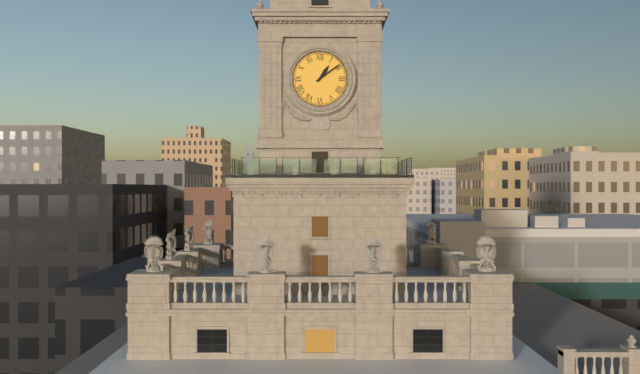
h=1 m=9
